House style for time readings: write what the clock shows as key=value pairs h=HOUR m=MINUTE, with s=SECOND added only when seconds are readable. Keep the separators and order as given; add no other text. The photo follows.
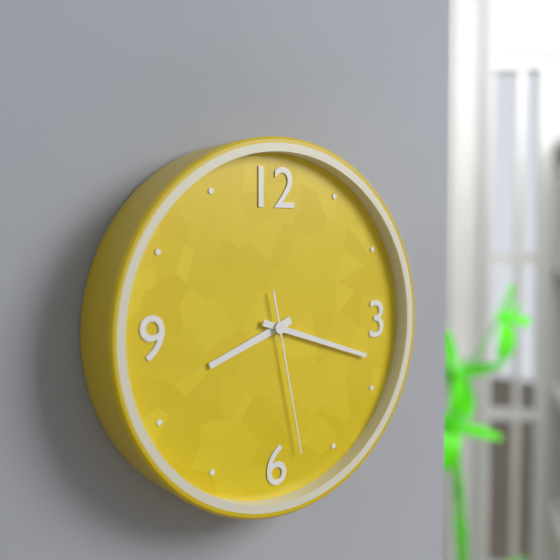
h=8 m=18 s=28
